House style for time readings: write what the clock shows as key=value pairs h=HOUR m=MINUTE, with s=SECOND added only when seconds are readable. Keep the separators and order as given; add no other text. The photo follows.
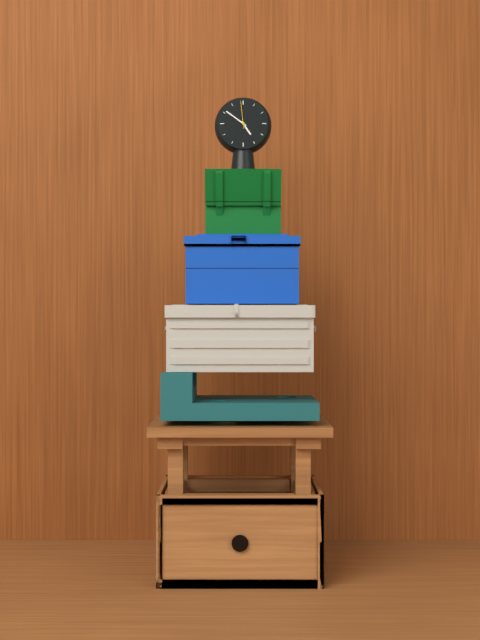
h=4 m=51
